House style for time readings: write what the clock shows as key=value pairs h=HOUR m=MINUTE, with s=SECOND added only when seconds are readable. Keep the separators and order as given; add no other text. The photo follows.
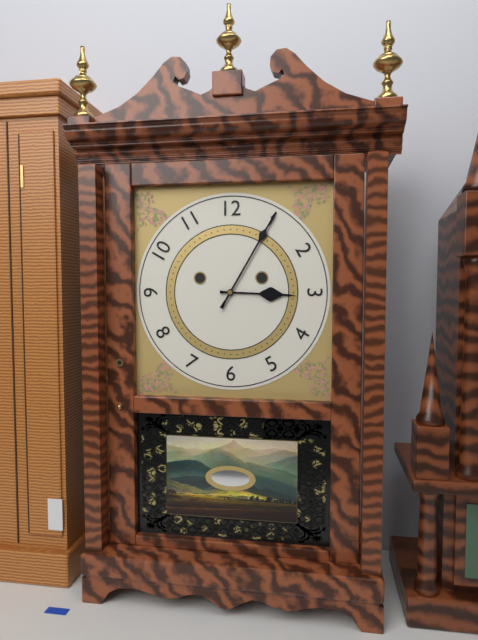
h=3 m=5
